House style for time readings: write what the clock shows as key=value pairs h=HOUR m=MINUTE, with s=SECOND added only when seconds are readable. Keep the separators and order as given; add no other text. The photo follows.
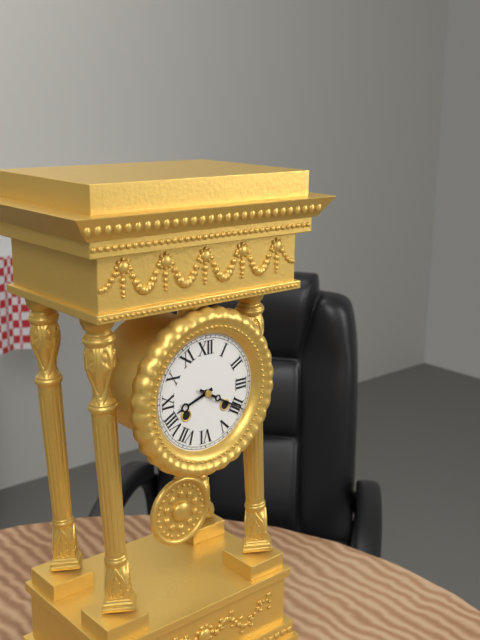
h=8 m=20
